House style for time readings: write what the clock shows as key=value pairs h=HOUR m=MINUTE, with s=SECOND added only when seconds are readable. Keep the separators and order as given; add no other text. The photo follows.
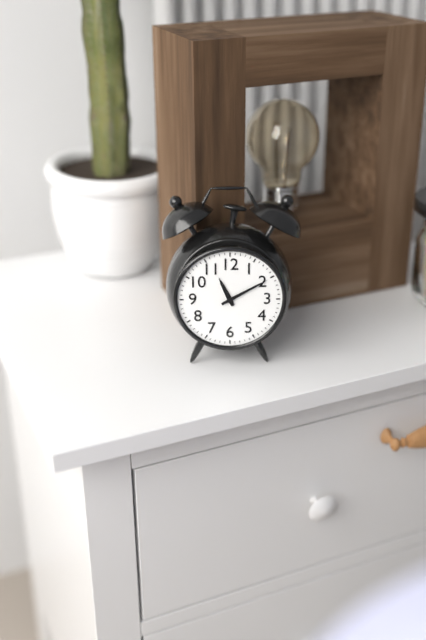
h=11 m=10
